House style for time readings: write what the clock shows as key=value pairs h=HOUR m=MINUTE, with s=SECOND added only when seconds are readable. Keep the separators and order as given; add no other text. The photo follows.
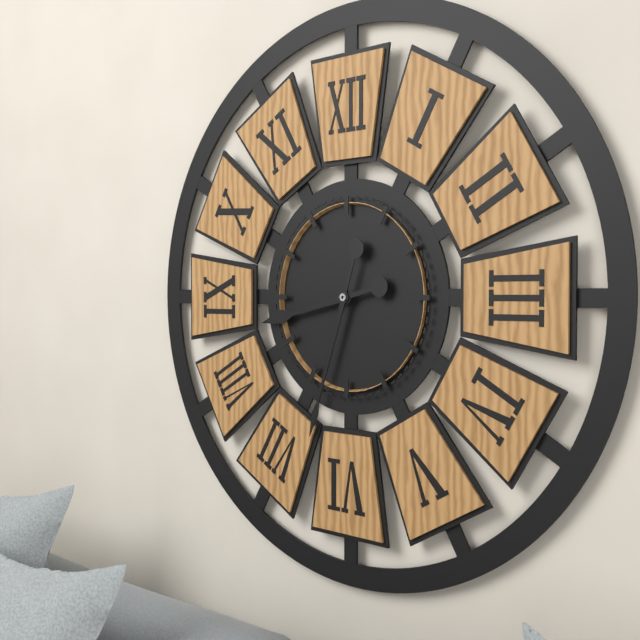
h=8 m=33
